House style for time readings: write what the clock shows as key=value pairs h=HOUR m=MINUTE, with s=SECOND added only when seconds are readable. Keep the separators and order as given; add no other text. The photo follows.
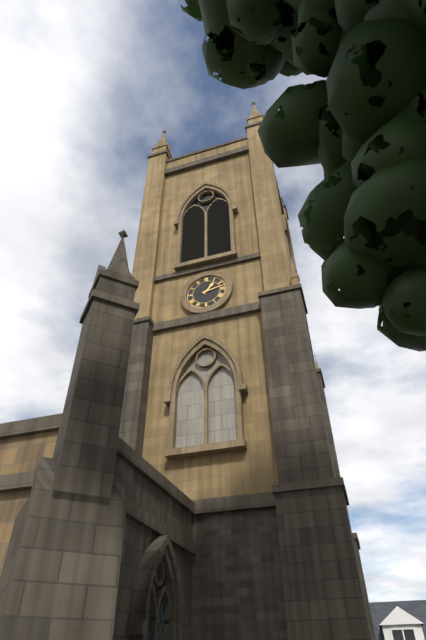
h=1 m=13
